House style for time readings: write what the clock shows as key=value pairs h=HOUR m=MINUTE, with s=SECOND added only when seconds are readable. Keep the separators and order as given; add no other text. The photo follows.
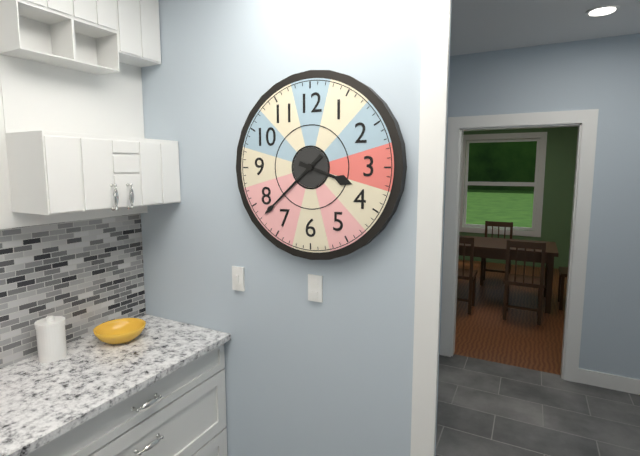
h=3 m=38
